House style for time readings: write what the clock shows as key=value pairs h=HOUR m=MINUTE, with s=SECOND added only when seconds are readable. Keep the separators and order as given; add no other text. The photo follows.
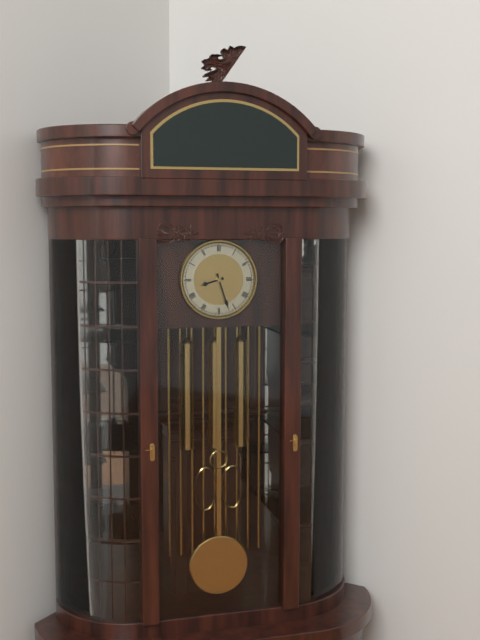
h=8 m=27
